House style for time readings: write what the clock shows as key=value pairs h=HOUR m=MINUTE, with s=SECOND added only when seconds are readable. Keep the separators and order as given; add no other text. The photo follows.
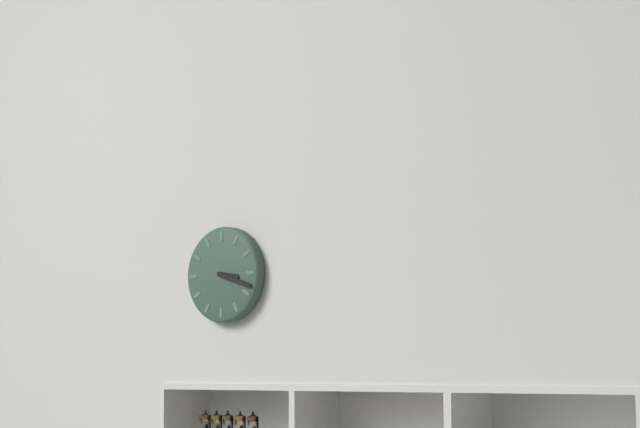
h=3 m=18
